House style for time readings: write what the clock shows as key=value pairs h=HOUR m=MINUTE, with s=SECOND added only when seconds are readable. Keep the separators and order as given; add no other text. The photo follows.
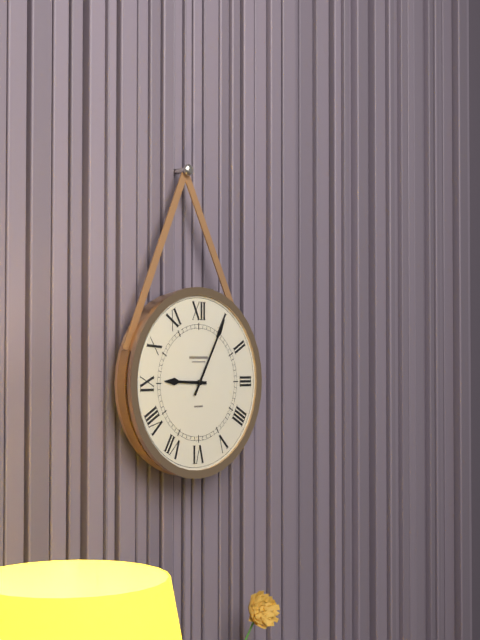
h=9 m=5
